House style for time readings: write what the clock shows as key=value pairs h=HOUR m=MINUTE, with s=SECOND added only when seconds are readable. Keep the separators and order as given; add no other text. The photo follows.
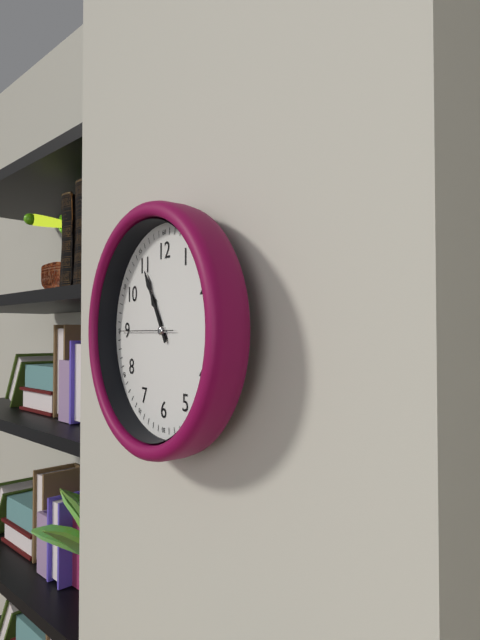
h=10 m=55 s=45
